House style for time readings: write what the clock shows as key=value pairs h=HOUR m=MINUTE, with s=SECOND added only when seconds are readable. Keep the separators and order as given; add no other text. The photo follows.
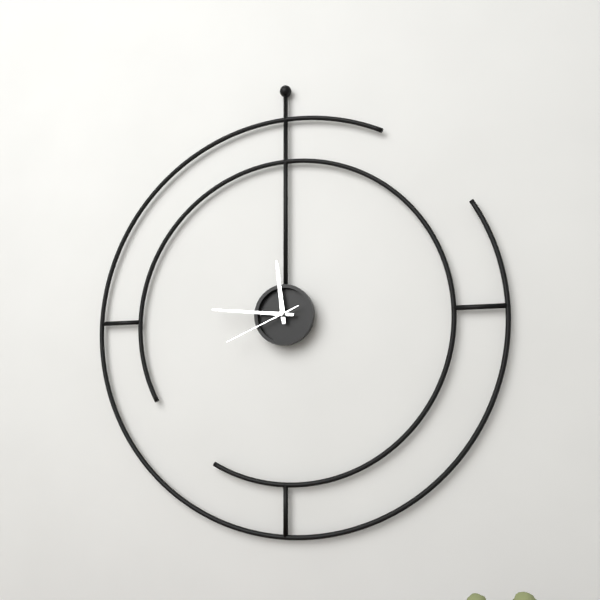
h=11 m=46 s=41
